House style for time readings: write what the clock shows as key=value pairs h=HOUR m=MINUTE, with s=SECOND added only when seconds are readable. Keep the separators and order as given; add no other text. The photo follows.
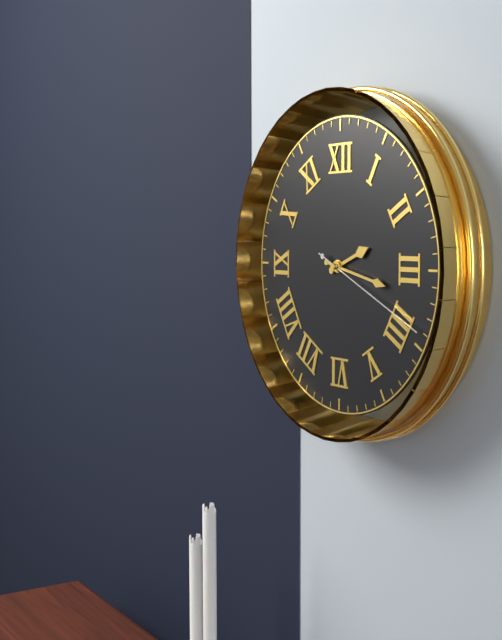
h=2 m=17 s=19
